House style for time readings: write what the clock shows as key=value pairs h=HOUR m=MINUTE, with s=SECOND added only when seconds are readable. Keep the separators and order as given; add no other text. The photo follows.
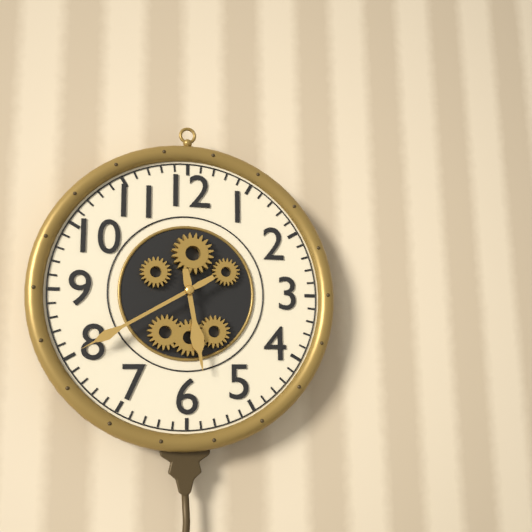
h=5 m=40
